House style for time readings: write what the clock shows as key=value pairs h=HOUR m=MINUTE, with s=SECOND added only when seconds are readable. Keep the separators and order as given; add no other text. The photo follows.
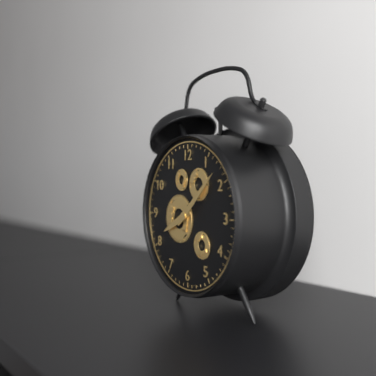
h=8 m=8
